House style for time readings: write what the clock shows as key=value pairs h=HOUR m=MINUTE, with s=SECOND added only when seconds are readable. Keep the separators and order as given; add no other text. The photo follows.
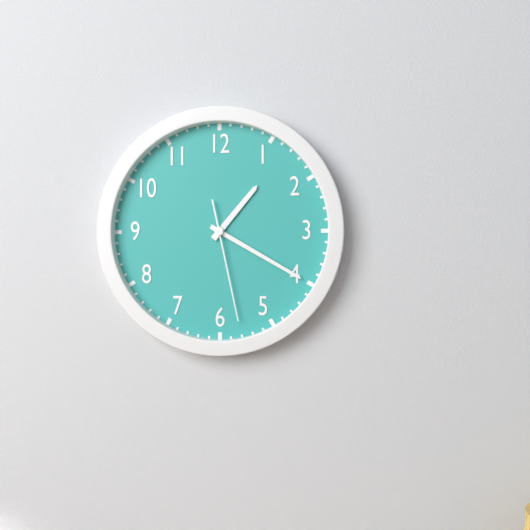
h=1 m=20 s=28
